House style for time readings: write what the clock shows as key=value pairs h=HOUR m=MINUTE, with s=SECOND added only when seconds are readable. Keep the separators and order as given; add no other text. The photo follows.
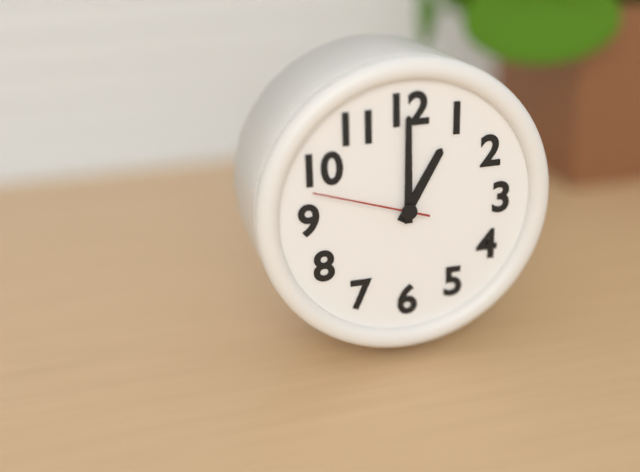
h=1 m=0 s=48
